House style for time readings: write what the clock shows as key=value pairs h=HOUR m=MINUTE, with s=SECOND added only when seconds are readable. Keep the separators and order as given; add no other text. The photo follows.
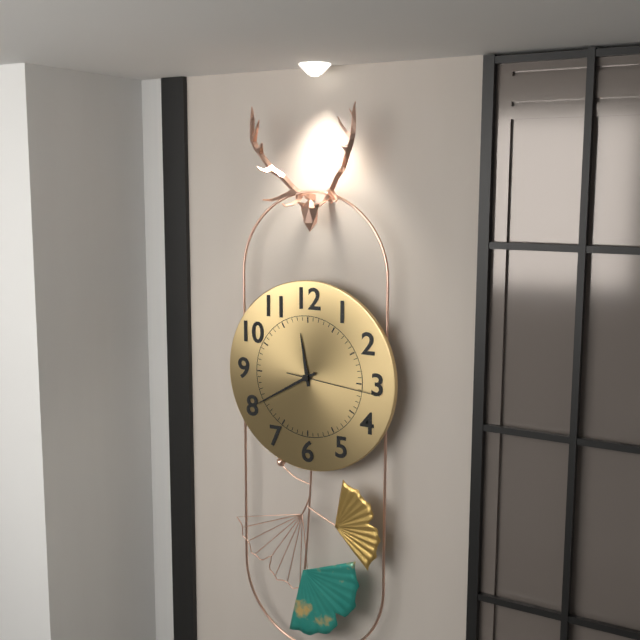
h=11 m=40 s=16
